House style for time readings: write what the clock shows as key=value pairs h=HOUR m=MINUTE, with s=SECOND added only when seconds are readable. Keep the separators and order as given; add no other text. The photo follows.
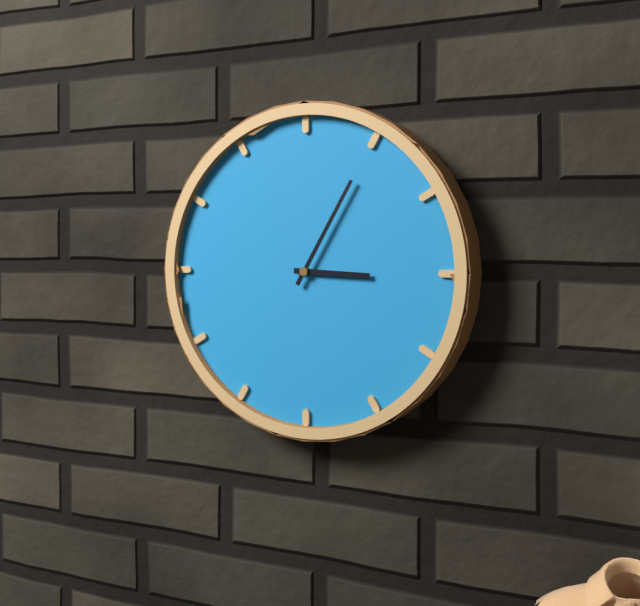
h=3 m=5
